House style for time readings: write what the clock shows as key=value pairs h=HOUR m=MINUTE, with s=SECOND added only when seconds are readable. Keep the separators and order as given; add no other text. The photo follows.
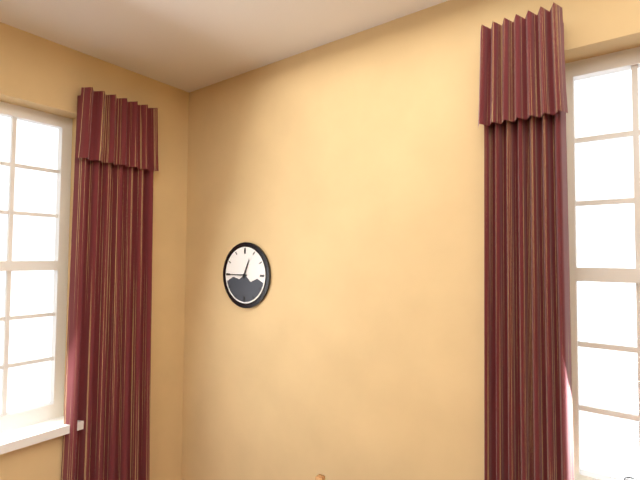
h=12 m=45
